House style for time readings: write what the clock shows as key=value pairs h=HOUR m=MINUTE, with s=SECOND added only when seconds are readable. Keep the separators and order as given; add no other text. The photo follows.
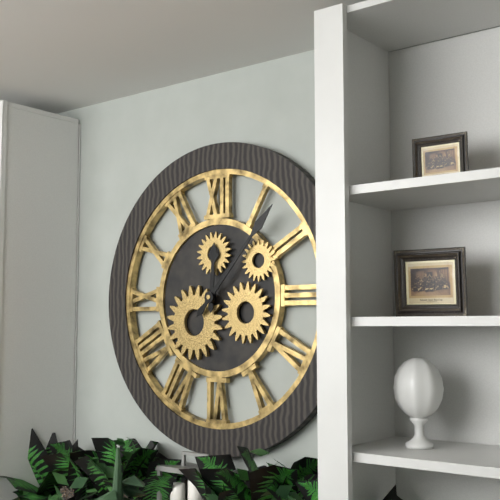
h=12 m=7
